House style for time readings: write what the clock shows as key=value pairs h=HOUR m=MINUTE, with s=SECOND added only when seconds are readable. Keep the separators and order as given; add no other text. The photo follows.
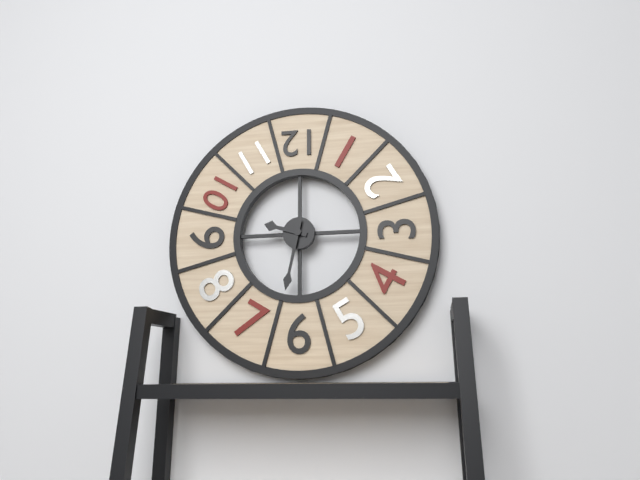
h=9 m=32
